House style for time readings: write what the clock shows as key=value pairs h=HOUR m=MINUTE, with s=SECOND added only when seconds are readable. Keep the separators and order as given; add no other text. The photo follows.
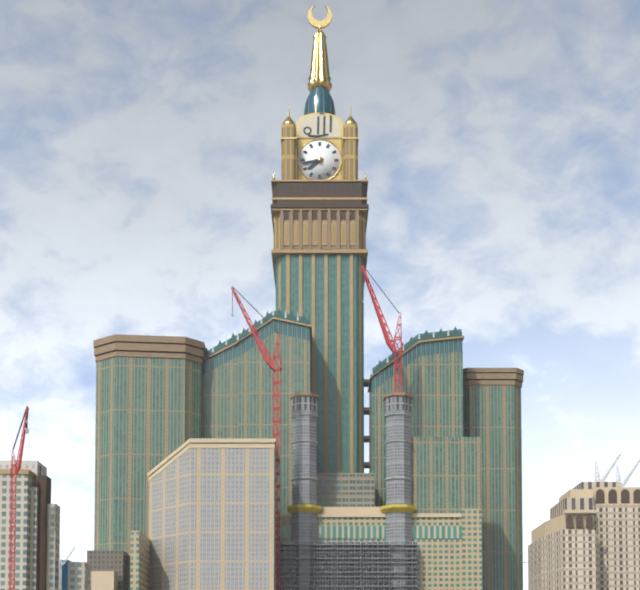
h=7 m=43
